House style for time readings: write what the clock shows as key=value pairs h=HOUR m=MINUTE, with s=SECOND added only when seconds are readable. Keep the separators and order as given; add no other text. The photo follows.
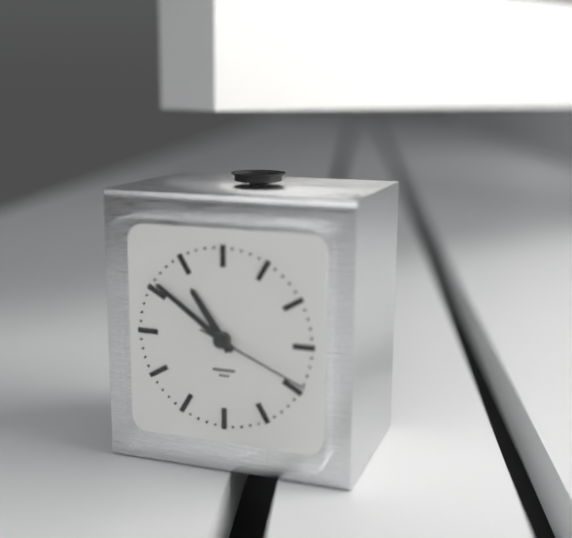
h=10 m=51 s=19
